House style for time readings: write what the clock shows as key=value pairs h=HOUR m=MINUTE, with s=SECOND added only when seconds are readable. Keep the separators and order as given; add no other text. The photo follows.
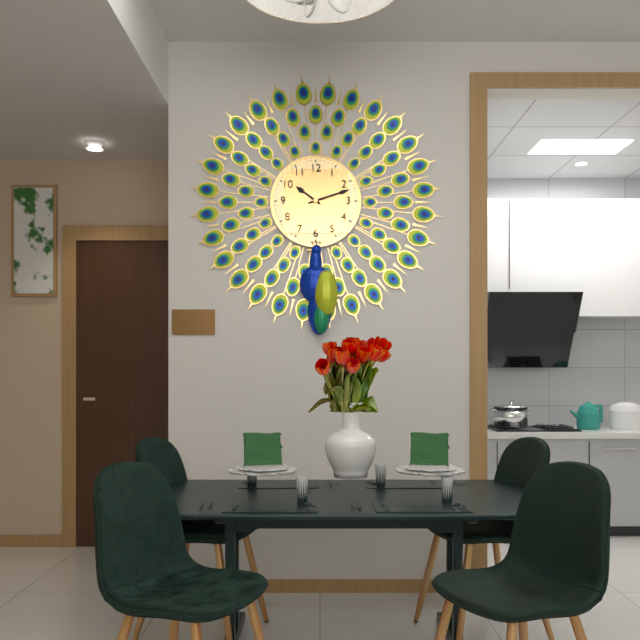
h=10 m=12
